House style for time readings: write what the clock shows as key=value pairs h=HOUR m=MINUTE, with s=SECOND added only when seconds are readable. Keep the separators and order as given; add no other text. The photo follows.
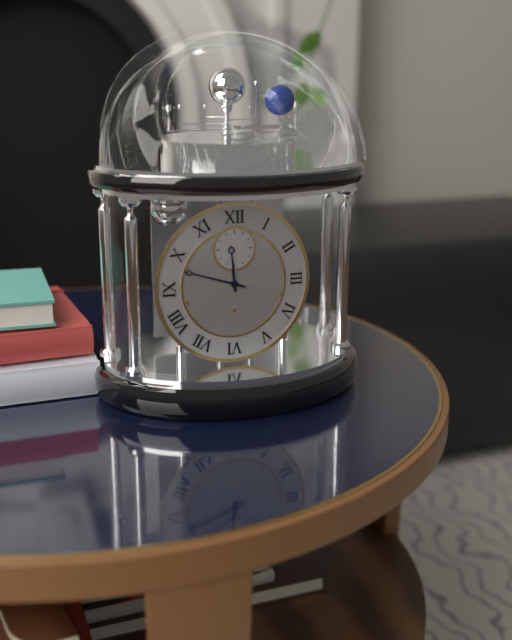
h=11 m=48
